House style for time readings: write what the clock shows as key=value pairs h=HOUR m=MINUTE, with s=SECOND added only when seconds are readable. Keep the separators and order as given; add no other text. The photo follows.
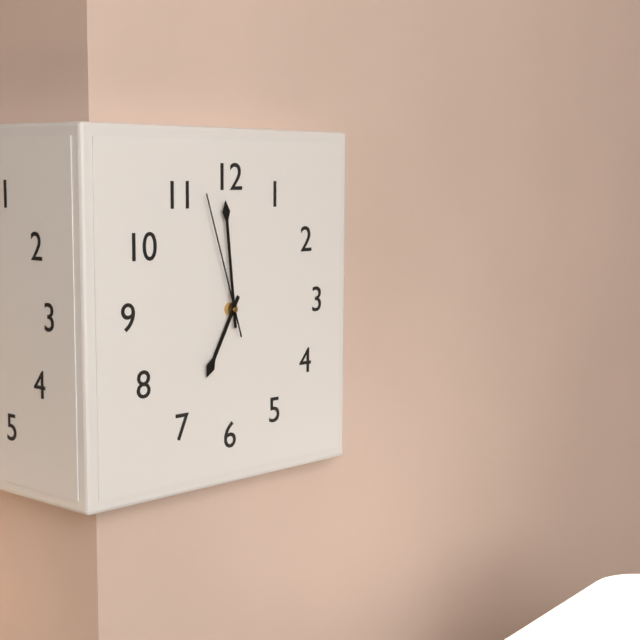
h=6 m=59 s=57
